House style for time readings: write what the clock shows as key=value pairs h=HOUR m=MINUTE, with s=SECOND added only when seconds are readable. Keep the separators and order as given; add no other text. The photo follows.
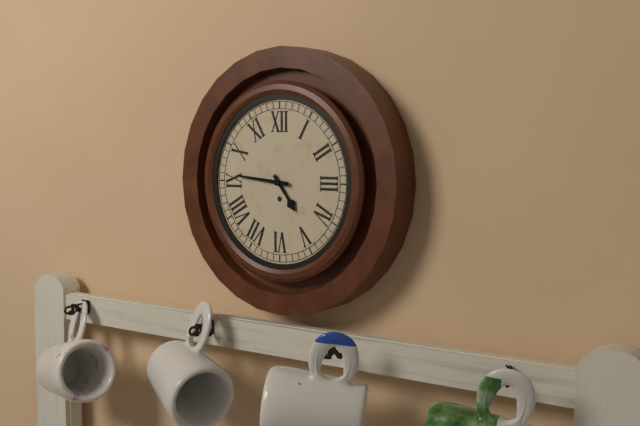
h=4 m=46
